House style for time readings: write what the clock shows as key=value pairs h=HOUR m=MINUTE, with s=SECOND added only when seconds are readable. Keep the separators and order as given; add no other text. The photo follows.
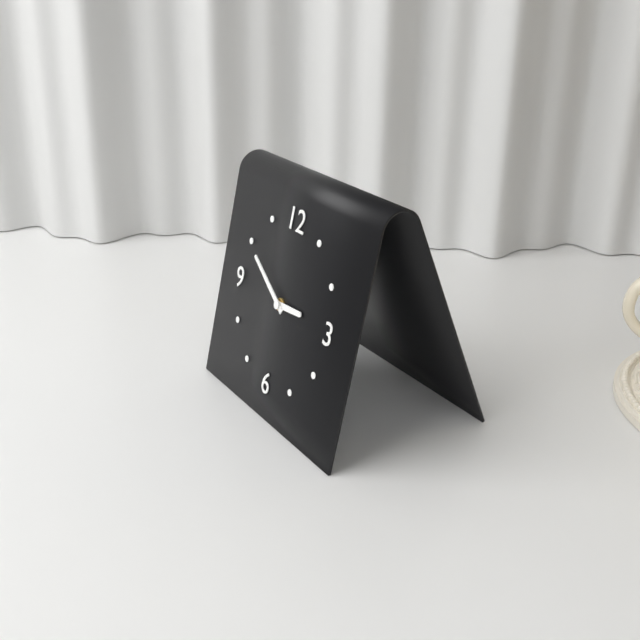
h=2 m=50
